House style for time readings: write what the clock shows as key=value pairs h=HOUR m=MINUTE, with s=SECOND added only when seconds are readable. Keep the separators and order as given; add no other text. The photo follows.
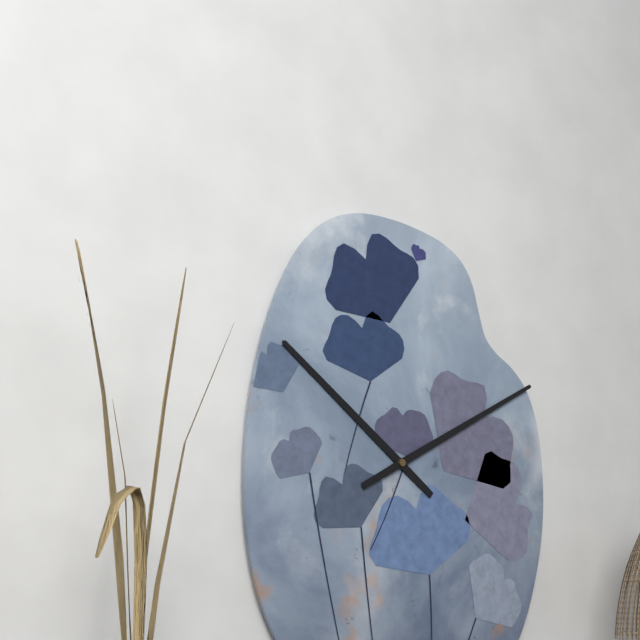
h=10 m=10
